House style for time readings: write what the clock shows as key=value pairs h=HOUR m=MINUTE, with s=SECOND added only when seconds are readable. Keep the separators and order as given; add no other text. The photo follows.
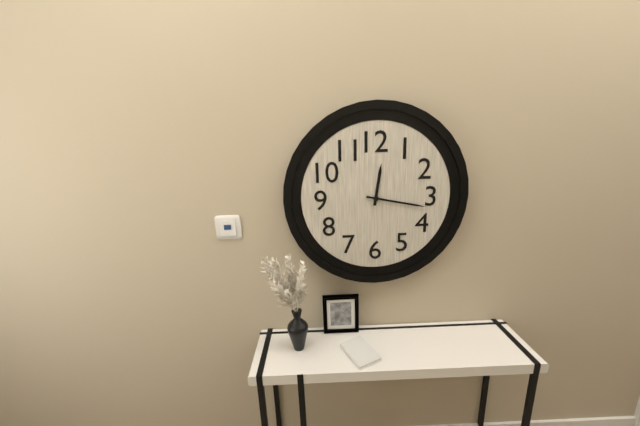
h=12 m=17
